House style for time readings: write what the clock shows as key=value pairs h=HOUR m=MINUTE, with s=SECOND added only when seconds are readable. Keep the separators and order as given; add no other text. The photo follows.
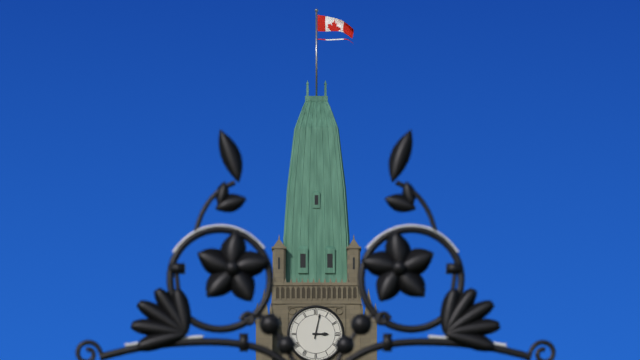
h=3 m=2
